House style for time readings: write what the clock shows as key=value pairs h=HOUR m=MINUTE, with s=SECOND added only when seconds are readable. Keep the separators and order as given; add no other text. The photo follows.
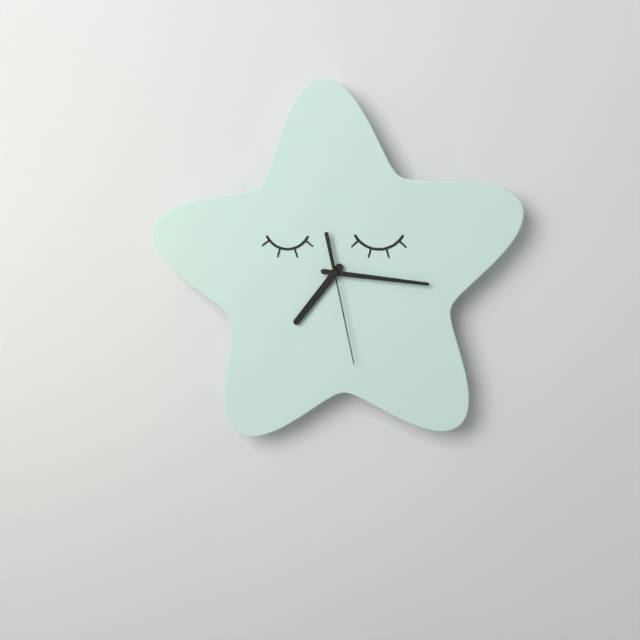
h=7 m=16 s=28
